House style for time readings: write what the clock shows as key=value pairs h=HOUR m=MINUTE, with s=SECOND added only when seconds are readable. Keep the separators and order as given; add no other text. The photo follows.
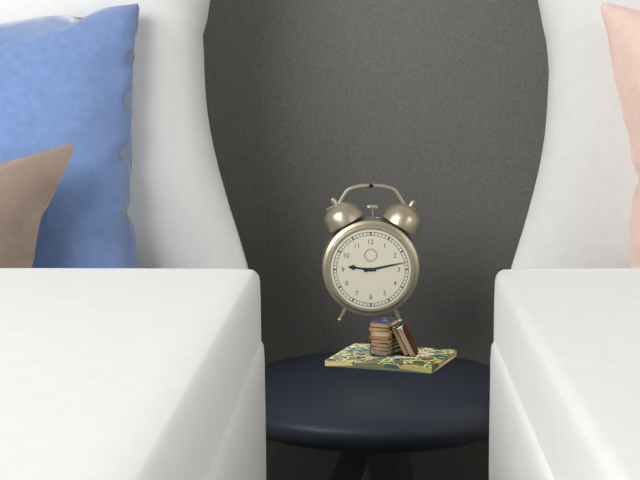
h=9 m=13
